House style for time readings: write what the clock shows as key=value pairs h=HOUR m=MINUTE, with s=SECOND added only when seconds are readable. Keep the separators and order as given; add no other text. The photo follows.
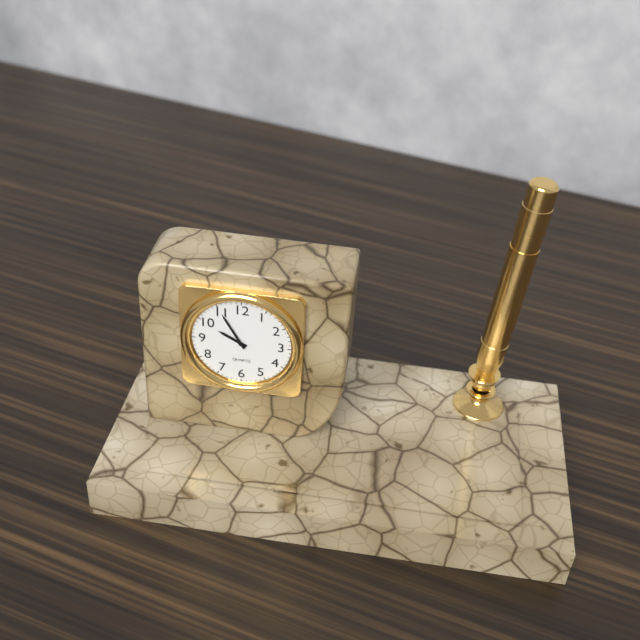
h=9 m=55
